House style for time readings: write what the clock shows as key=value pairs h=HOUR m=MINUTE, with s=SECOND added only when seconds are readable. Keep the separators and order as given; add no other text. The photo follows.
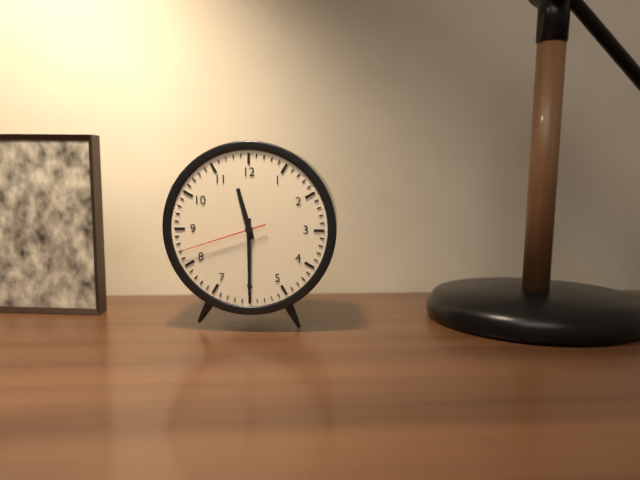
h=11 m=30 s=42
